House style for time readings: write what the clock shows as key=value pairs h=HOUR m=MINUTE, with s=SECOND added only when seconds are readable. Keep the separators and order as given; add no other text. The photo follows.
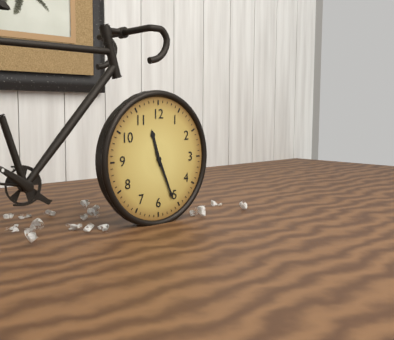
h=11 m=26
